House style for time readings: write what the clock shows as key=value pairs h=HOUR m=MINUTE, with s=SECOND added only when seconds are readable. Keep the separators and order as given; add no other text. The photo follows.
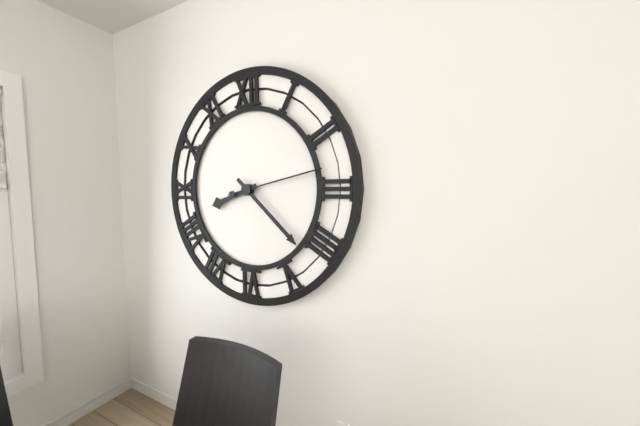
h=8 m=22 s=13
